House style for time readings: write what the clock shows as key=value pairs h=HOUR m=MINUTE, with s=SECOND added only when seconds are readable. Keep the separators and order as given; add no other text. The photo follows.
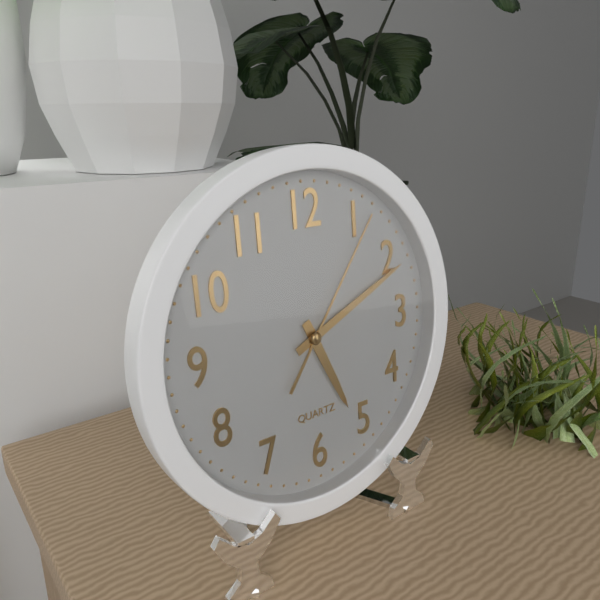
h=5 m=11 s=6
